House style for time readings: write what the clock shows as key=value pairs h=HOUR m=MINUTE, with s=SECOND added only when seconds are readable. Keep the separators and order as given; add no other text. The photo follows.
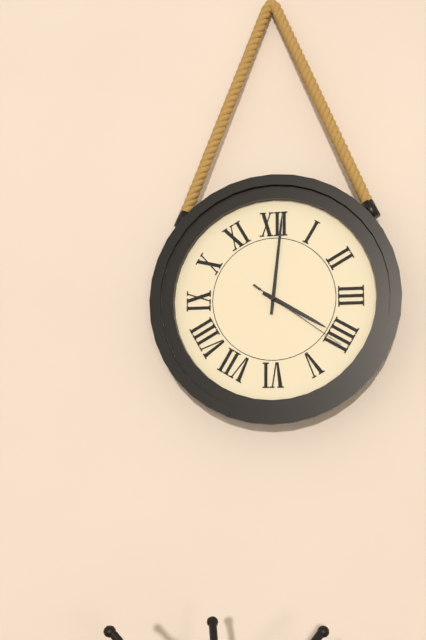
h=4 m=1 s=21
